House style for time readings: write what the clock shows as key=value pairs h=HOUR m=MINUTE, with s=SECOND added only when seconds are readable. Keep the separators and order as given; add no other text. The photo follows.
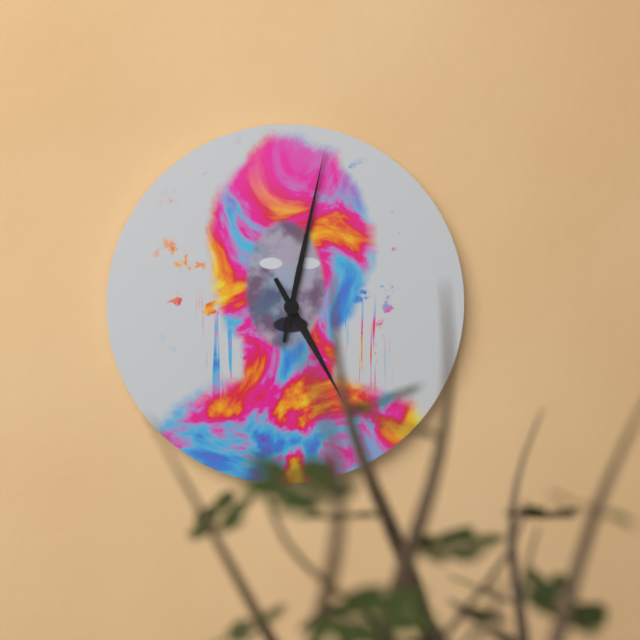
h=5 m=2
